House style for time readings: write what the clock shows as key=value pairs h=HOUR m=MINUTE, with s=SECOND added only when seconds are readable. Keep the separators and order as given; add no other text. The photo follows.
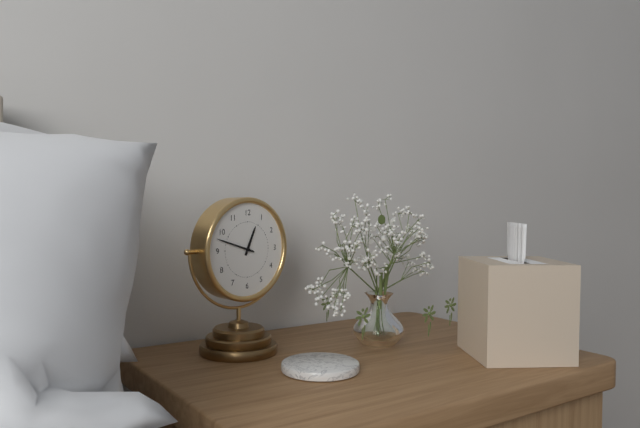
h=12 m=48
